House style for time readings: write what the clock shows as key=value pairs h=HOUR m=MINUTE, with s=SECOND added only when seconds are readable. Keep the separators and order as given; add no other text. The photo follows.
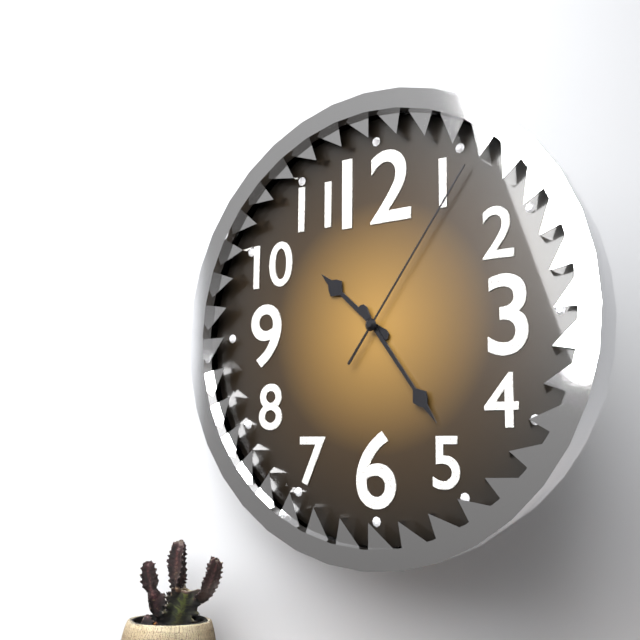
h=10 m=24 s=6
